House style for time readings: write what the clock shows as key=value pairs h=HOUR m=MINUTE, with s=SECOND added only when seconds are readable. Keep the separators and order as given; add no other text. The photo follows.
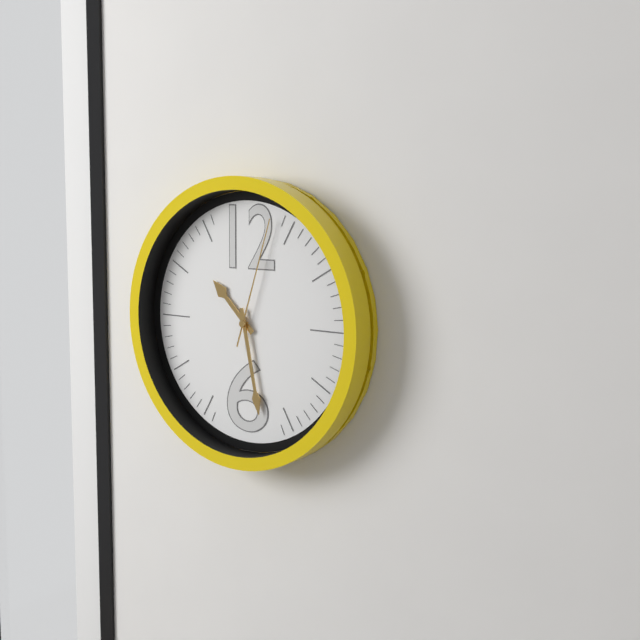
h=10 m=28 s=3
